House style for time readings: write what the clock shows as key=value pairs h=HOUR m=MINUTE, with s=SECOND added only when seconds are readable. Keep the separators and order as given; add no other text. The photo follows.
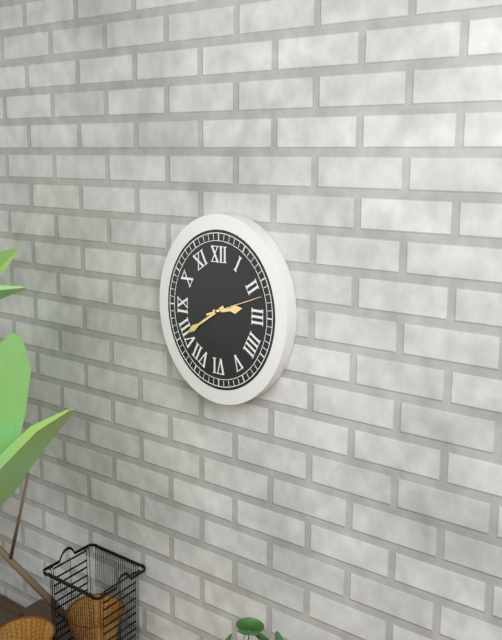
h=2 m=40 s=12
